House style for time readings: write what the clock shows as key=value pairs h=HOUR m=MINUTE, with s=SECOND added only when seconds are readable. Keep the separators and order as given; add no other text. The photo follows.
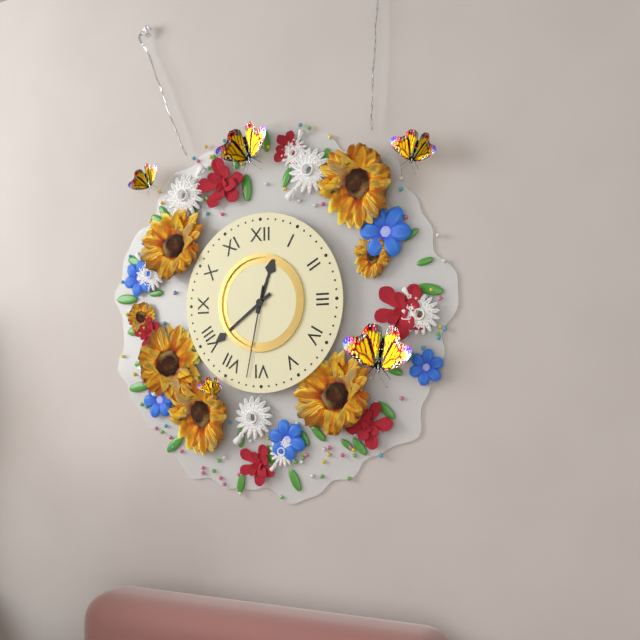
h=12 m=39 s=32
